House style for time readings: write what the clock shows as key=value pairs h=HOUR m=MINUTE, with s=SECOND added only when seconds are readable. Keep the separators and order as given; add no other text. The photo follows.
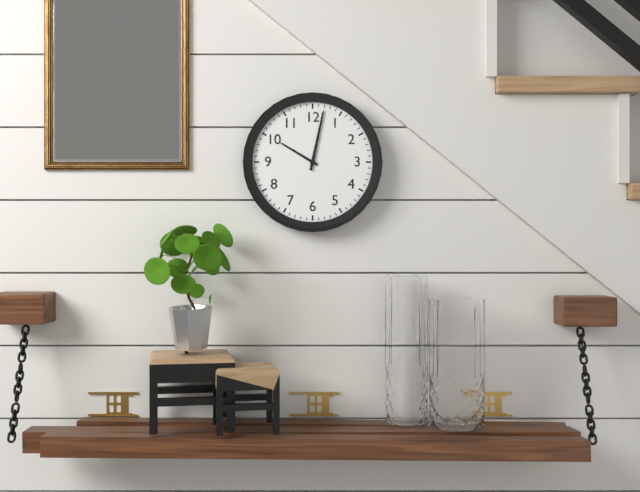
h=10 m=2
